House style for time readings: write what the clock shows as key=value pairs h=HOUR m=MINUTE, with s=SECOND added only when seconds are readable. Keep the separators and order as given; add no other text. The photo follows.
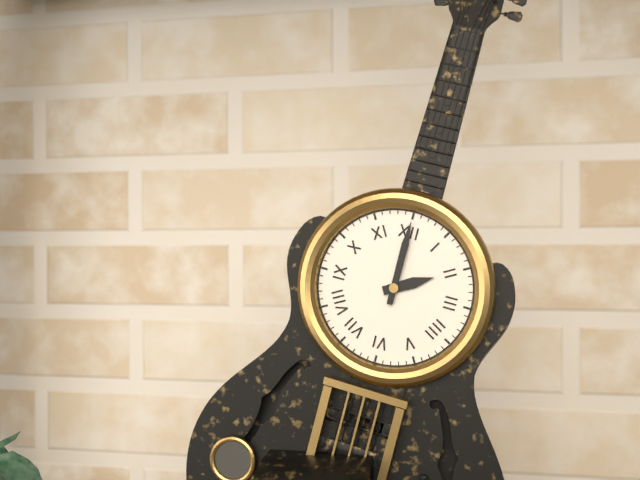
h=2 m=0
